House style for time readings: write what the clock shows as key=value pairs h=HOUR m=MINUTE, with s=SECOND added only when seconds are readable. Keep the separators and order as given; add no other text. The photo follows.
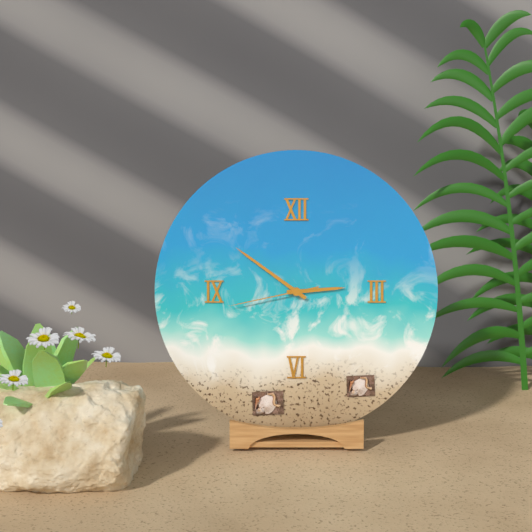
h=2 m=51 s=43
